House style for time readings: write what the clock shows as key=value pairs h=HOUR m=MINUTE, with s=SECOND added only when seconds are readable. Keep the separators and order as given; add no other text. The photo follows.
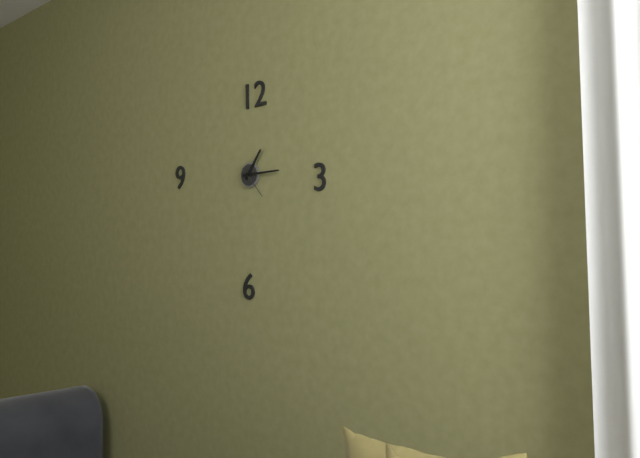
h=1 m=15
